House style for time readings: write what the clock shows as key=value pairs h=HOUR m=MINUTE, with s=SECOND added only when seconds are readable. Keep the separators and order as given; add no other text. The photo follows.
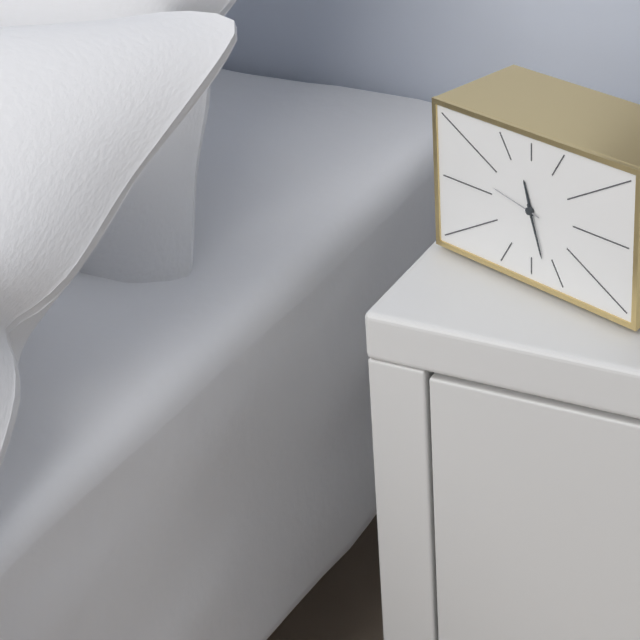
h=11 m=27 s=47
